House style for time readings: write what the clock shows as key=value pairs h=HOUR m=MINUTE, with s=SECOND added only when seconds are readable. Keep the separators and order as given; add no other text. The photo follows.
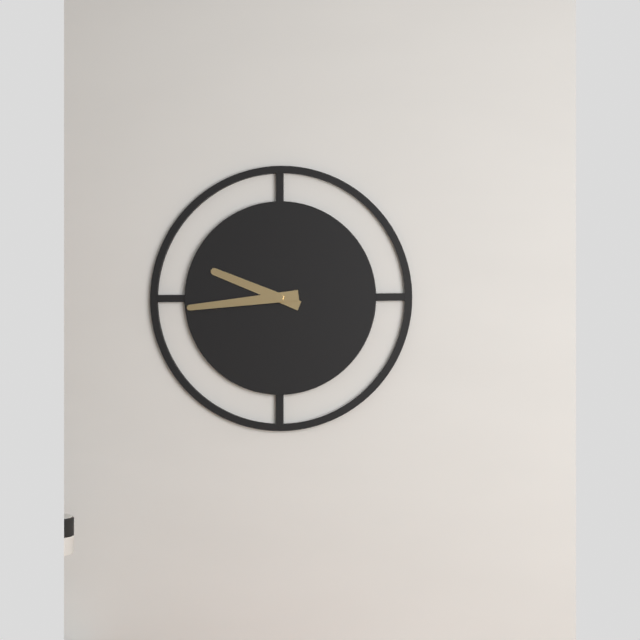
h=9 m=44
